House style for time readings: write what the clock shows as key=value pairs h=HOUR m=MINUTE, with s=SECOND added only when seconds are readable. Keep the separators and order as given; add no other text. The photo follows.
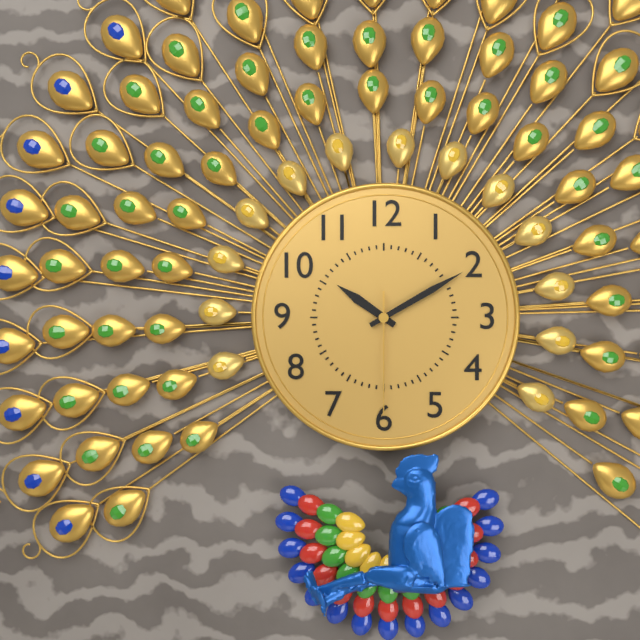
h=10 m=10 s=30
